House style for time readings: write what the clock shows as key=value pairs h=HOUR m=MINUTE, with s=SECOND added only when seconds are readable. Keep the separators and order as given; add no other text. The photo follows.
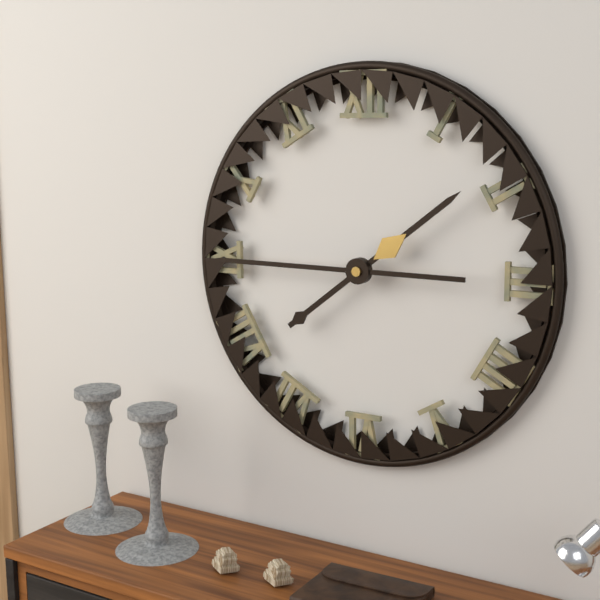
h=1 m=45
